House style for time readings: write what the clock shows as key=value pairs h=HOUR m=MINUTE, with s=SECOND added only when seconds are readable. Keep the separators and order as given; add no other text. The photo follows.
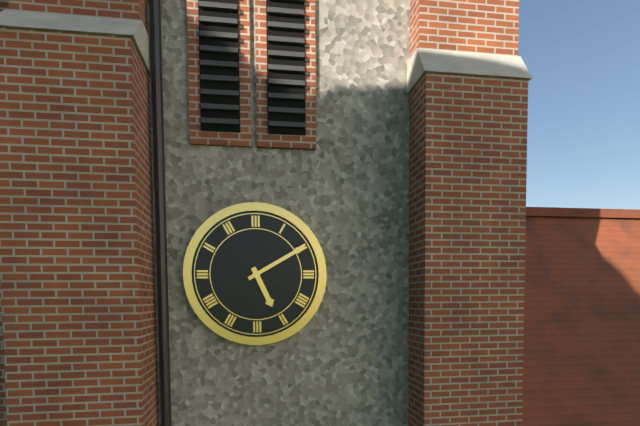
h=5 m=10
